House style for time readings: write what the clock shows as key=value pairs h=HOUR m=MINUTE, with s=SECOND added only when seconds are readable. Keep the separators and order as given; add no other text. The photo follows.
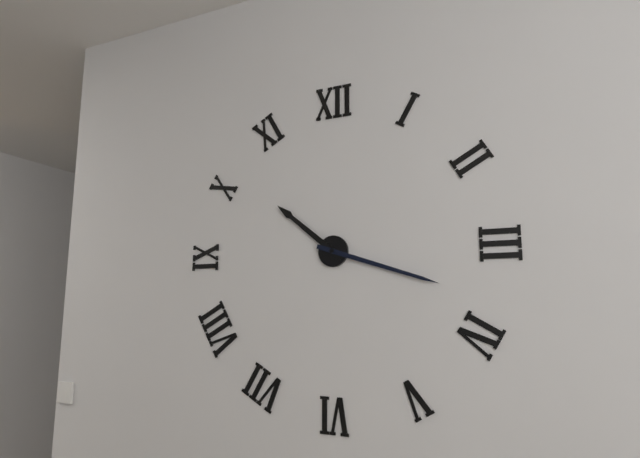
h=10 m=18
